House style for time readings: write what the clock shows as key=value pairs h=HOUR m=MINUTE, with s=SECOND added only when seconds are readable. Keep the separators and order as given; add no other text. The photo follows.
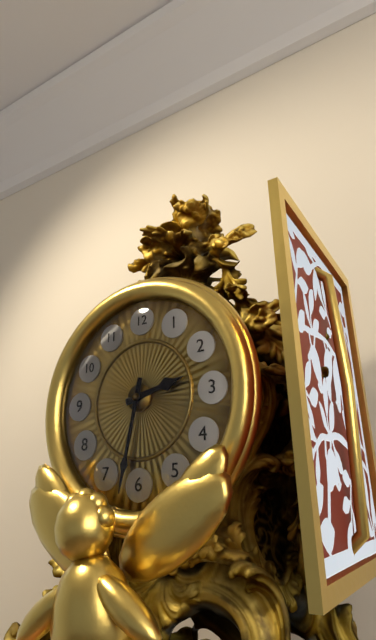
h=2 m=32
